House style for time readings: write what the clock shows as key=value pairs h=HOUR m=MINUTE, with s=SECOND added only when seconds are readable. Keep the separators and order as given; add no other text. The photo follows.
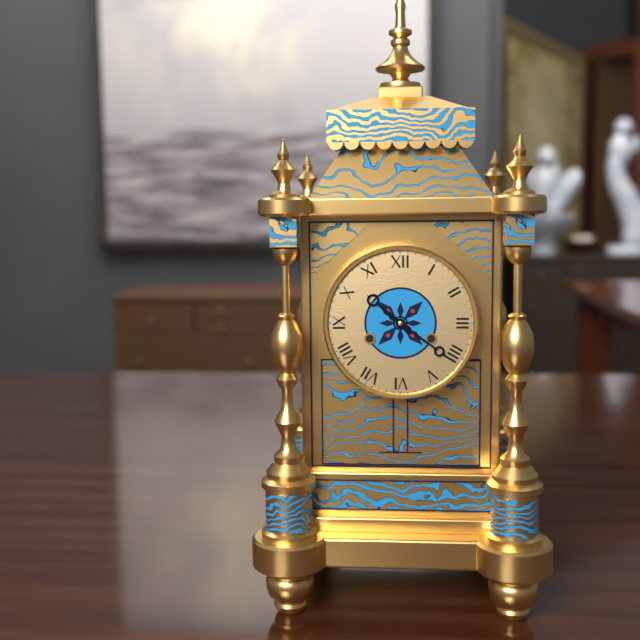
h=10 m=21
